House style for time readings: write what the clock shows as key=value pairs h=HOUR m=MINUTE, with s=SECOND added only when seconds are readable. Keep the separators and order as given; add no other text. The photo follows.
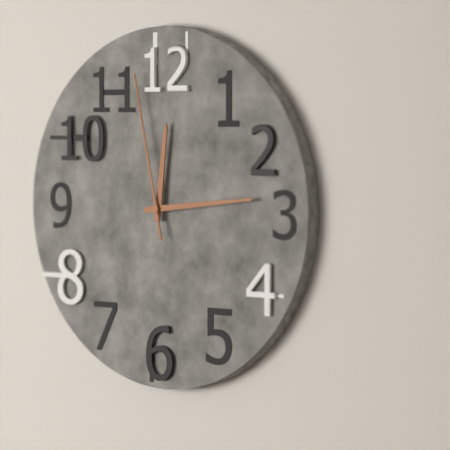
h=12 m=14 s=58
